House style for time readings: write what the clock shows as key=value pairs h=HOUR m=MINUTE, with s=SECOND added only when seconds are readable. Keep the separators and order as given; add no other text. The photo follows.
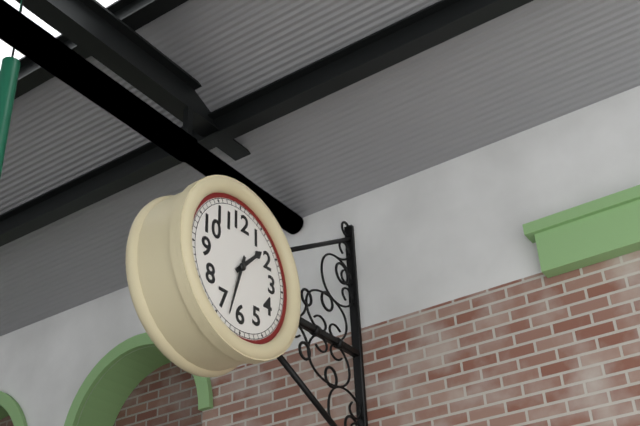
h=1 m=33
